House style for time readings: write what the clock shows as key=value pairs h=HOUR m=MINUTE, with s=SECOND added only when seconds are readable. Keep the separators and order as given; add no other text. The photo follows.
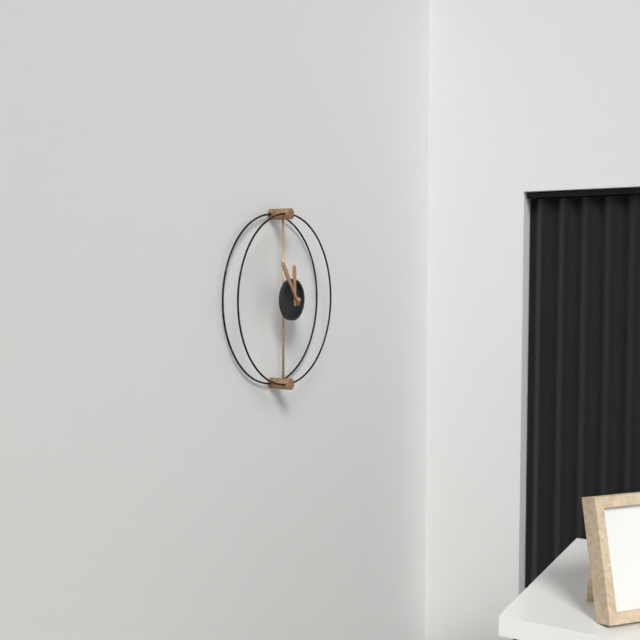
h=11 m=54
